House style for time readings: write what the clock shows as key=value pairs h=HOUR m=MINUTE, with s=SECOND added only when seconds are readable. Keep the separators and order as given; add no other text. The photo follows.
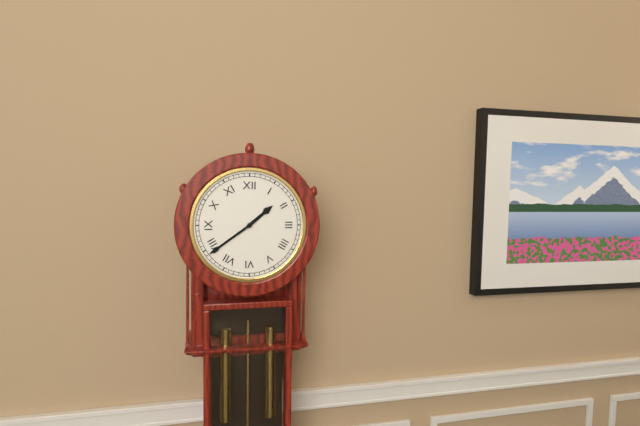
h=1 m=39
